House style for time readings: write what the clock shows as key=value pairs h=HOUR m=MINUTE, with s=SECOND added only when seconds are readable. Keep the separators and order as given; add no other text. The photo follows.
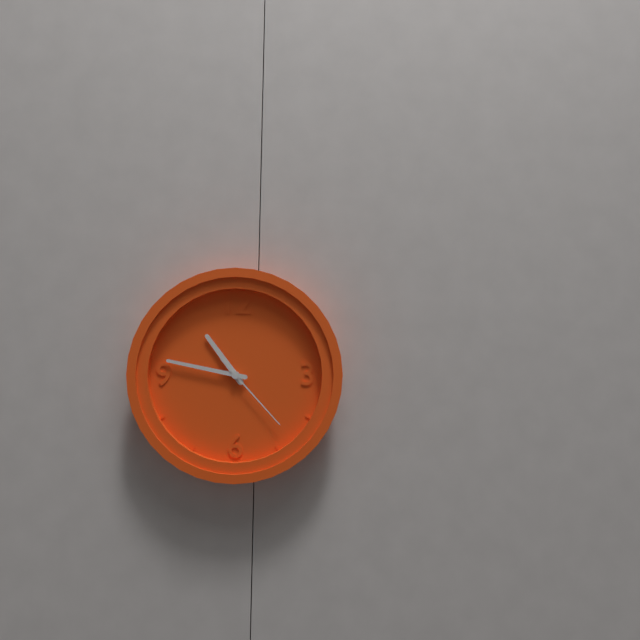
h=10 m=47 s=23
